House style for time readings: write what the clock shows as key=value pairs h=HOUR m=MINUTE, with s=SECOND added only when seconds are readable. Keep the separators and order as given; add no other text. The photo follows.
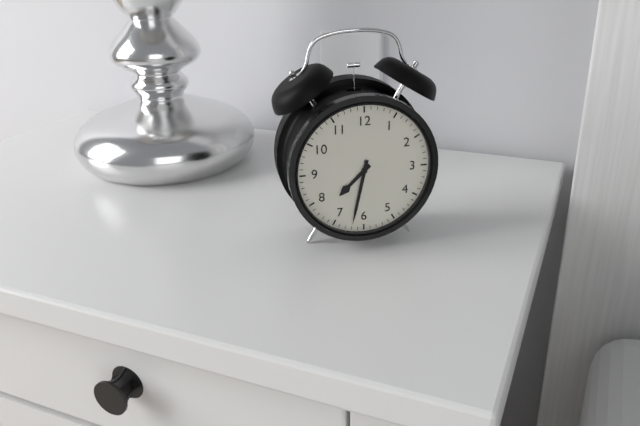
h=7 m=32
